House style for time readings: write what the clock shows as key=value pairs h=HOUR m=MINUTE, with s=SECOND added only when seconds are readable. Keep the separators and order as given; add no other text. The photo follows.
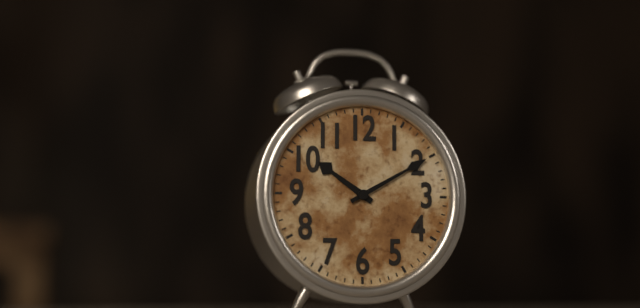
h=10 m=10
